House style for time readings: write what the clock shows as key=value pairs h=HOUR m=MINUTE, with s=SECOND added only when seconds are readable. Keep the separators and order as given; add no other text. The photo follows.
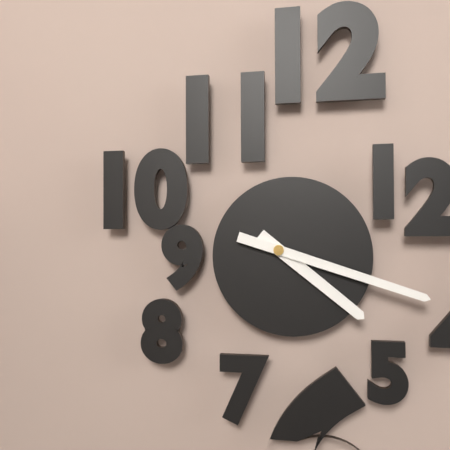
h=4 m=18
